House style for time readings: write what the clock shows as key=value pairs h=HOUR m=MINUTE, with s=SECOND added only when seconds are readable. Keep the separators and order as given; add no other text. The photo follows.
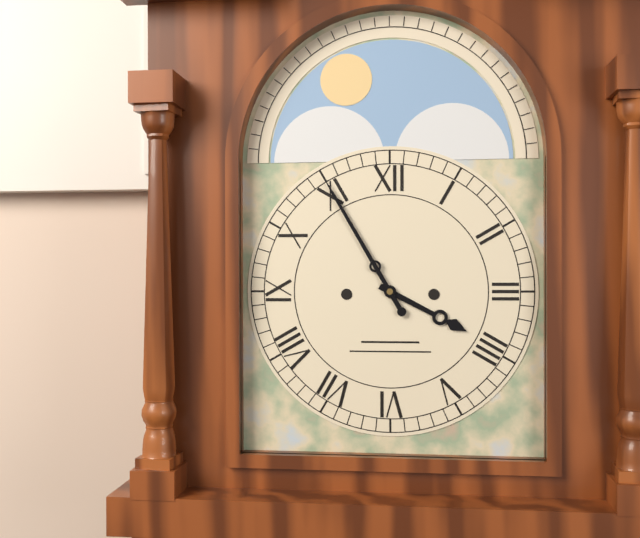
h=3 m=55
